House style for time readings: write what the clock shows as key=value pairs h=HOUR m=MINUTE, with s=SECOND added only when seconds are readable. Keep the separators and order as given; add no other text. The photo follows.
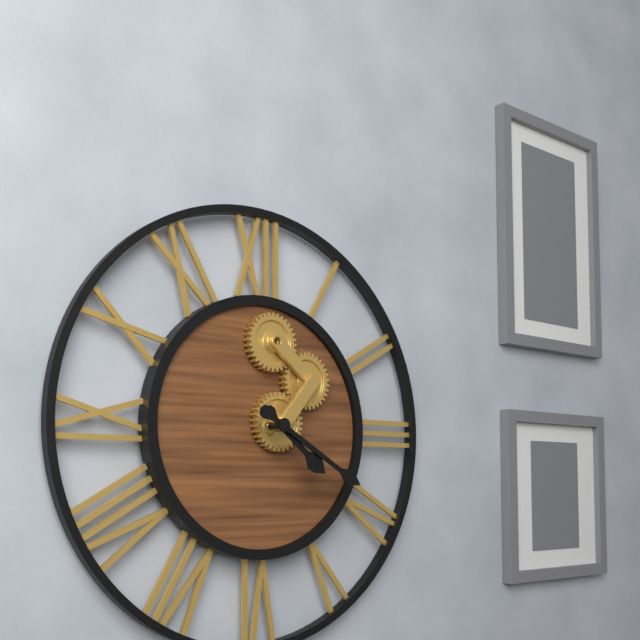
h=4 m=20
